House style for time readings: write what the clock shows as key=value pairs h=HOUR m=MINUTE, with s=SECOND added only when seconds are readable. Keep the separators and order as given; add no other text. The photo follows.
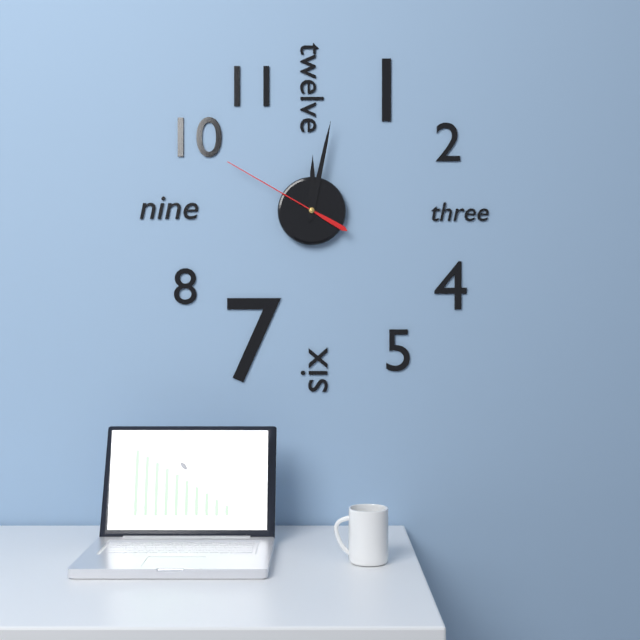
h=12 m=2 s=50
